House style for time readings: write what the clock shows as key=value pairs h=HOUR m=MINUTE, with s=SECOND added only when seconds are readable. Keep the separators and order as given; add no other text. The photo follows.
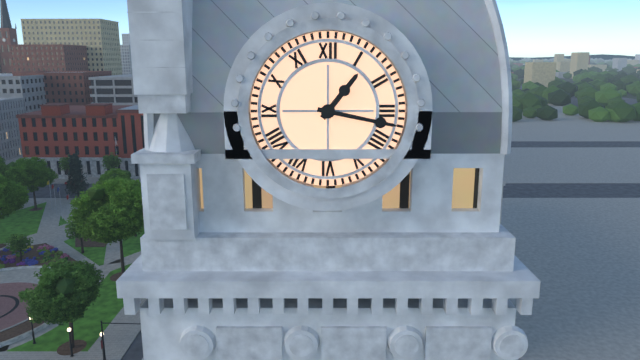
h=1 m=17
